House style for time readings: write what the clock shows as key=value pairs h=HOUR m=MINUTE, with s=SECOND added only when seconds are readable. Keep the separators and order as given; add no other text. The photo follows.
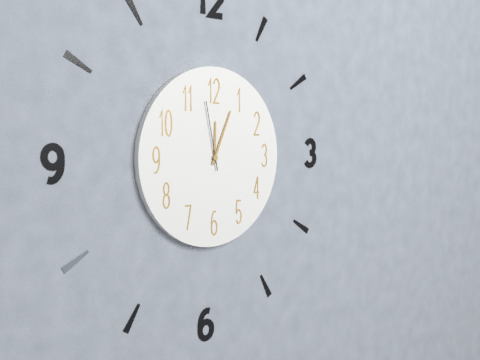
h=12 m=4 s=58
